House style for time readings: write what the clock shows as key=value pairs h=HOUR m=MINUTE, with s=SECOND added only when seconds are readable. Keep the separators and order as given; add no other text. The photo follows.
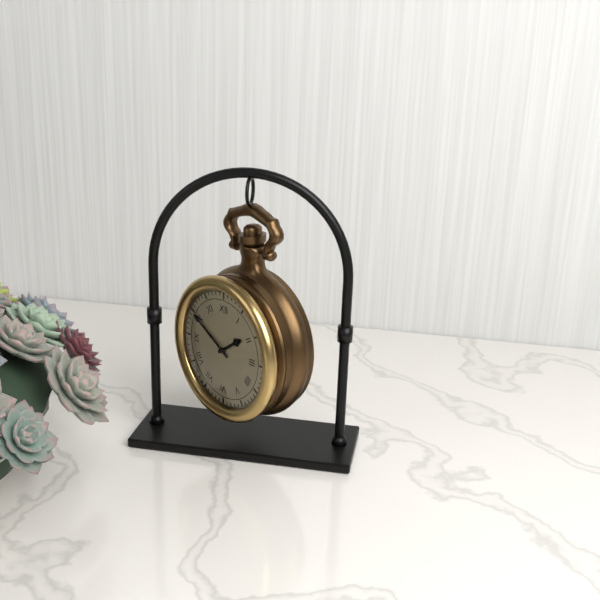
h=1 m=50
